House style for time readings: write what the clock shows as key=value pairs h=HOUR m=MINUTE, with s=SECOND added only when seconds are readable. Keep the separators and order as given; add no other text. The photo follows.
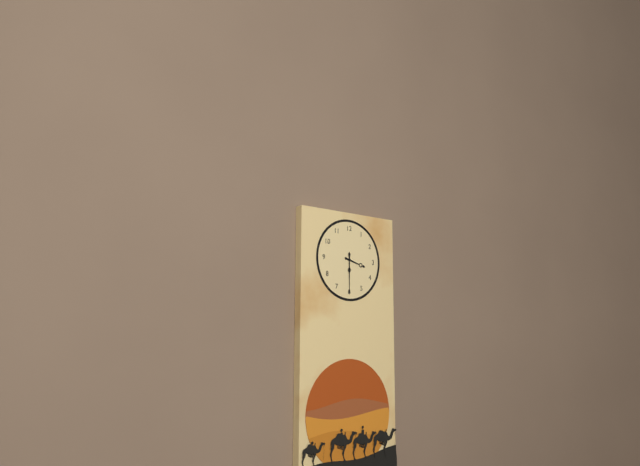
h=3 m=30
